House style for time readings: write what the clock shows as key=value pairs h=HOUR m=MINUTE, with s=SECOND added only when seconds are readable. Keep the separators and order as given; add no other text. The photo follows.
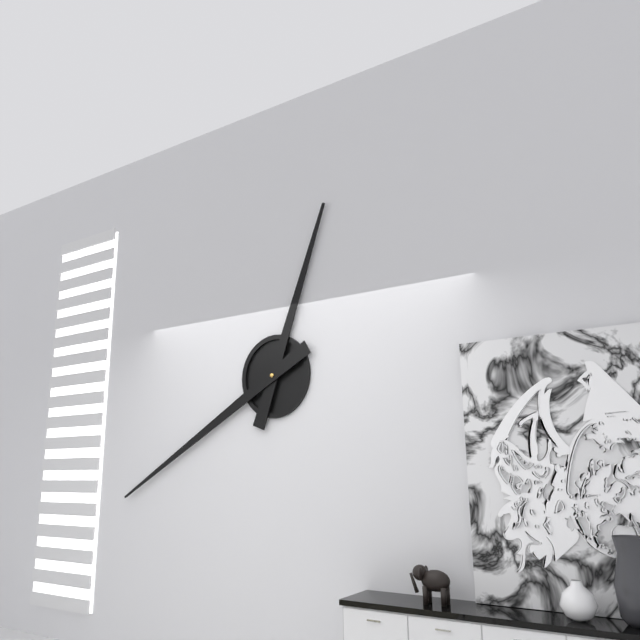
h=12 m=40
